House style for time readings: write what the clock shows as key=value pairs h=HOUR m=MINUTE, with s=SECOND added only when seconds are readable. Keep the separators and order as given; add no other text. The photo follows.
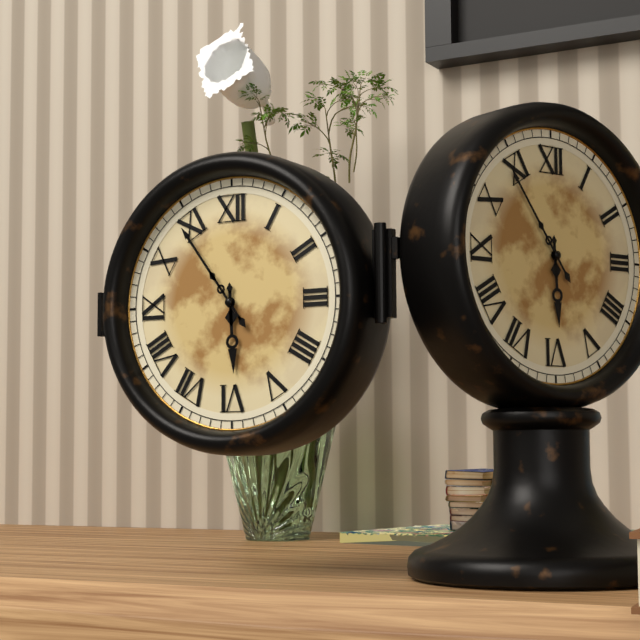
h=5 m=54
